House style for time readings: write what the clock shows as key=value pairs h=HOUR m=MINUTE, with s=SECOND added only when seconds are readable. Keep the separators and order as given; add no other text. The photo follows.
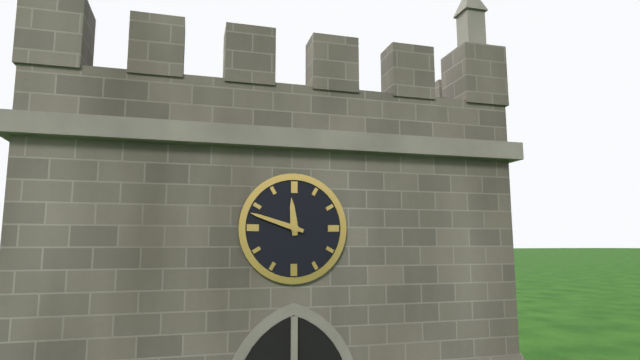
h=11 m=48
